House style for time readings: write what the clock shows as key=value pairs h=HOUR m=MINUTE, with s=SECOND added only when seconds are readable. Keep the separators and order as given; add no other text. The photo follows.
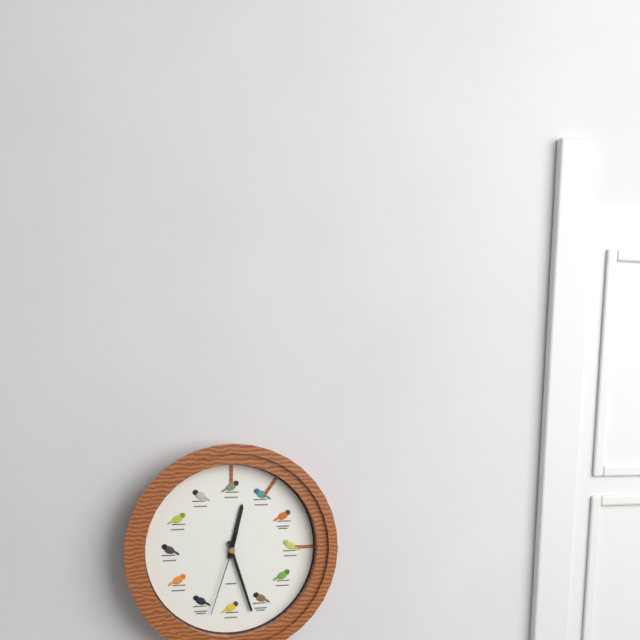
h=12 m=27 s=33
